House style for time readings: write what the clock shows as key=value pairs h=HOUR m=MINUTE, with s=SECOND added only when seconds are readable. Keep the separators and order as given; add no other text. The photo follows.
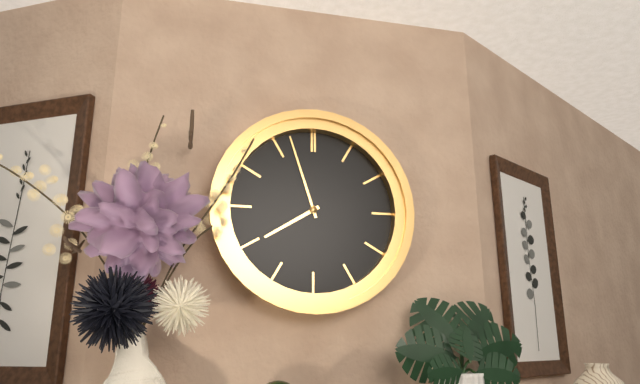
h=7 m=57
